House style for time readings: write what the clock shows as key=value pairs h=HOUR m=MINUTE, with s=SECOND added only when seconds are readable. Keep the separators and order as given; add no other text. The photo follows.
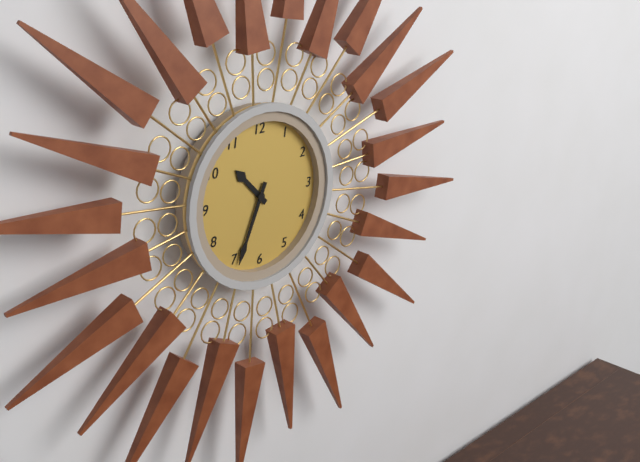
h=10 m=34
